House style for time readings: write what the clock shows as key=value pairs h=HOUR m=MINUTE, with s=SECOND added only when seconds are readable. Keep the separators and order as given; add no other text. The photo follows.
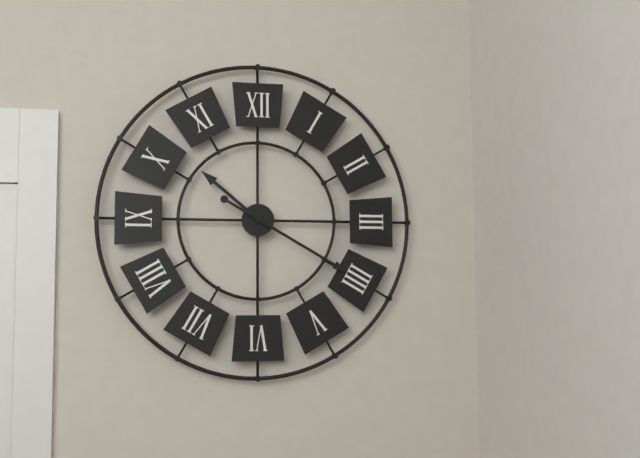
h=10 m=20
